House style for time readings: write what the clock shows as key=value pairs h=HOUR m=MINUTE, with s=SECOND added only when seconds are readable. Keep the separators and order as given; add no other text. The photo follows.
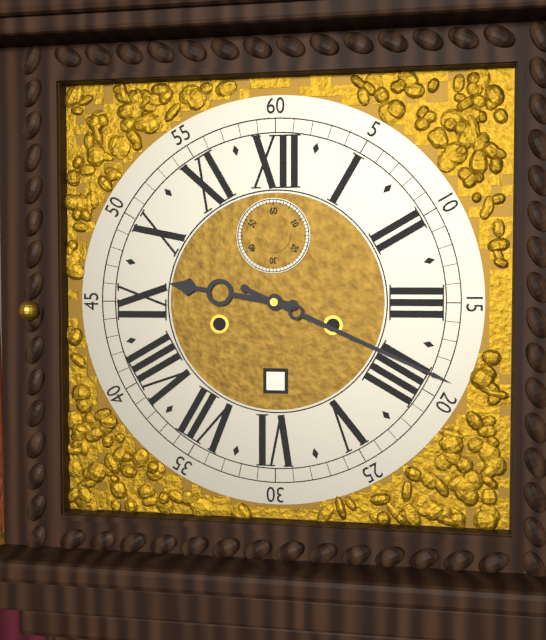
h=9 m=19
